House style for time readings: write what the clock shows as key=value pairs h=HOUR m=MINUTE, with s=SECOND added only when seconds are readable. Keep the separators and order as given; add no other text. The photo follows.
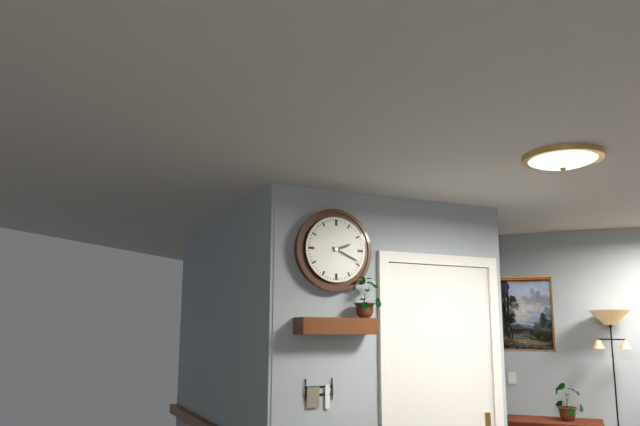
h=2 m=19
